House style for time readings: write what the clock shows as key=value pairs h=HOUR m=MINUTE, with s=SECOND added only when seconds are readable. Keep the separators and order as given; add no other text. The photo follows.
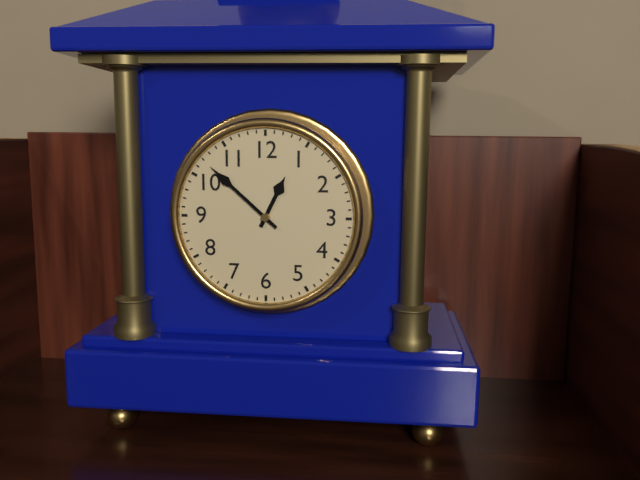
h=12 m=52
